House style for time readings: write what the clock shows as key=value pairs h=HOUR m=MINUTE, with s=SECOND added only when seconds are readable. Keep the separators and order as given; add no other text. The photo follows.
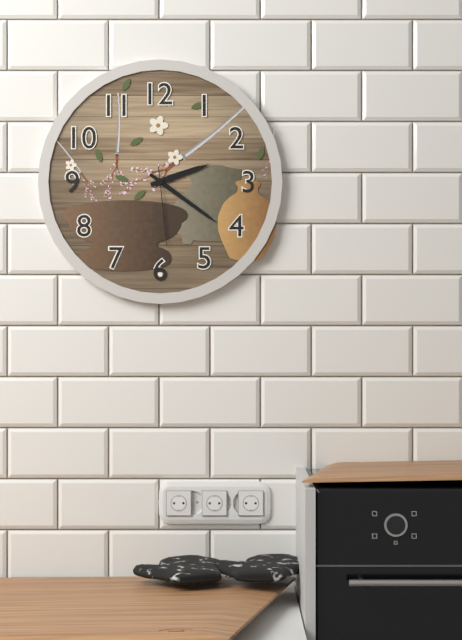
h=2 m=21 s=29
